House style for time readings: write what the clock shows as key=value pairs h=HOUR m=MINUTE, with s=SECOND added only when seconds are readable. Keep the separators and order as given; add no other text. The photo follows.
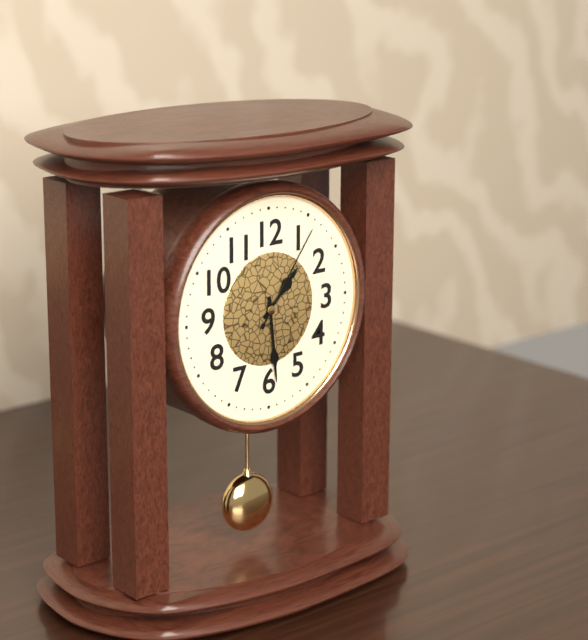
h=1 m=29 s=6
